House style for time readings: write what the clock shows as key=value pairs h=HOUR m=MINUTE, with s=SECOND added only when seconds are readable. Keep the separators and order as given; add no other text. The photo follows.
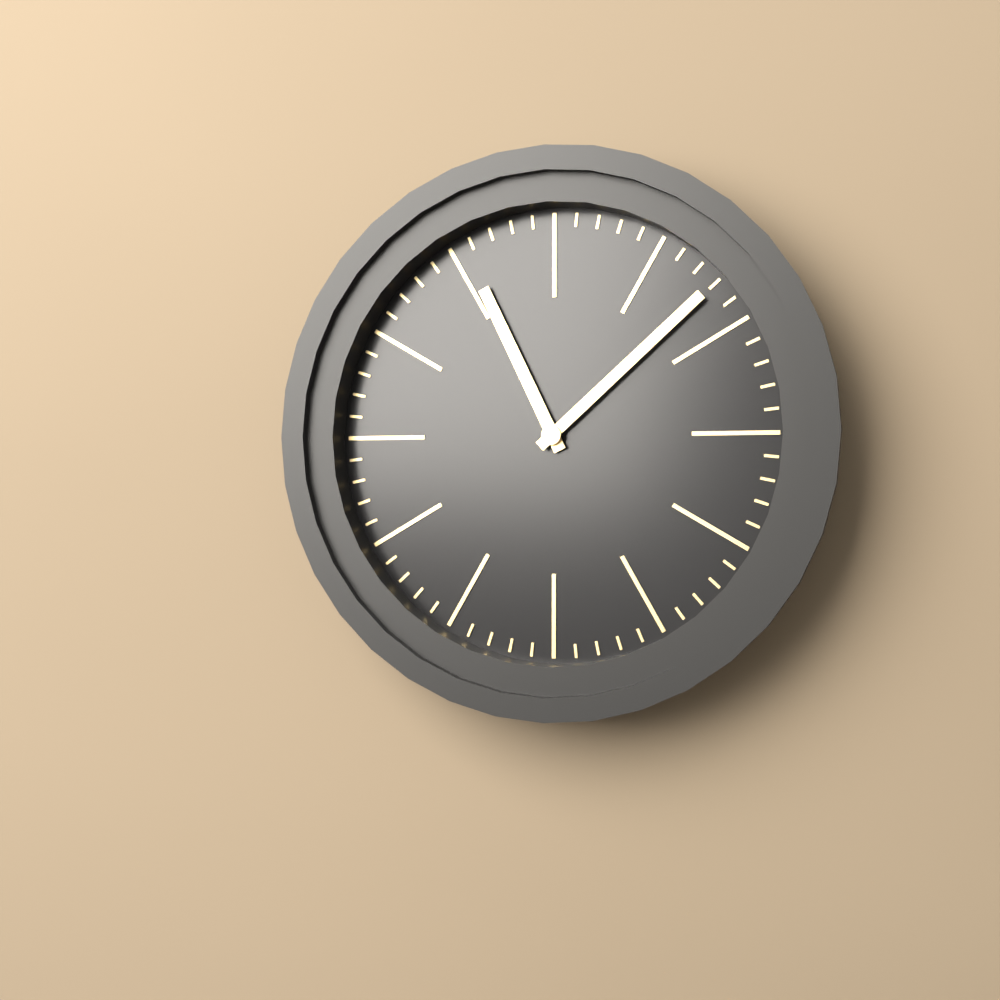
h=11 m=8
